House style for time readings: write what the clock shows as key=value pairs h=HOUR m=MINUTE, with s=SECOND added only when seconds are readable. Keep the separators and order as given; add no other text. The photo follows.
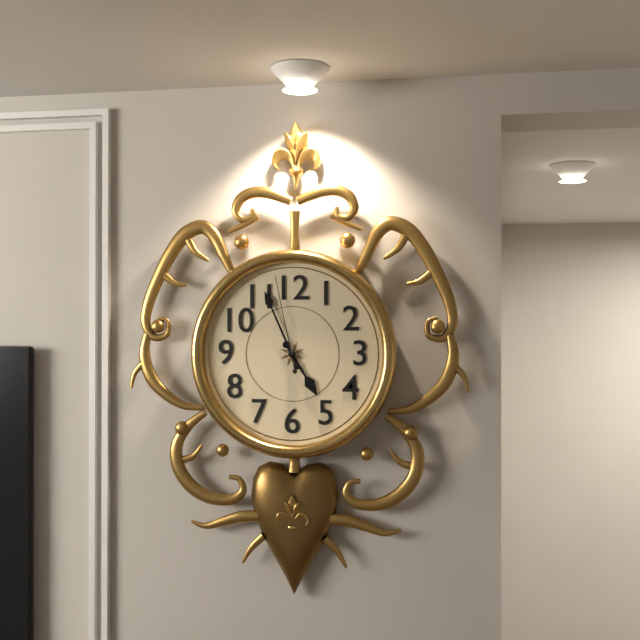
h=4 m=56 s=58
